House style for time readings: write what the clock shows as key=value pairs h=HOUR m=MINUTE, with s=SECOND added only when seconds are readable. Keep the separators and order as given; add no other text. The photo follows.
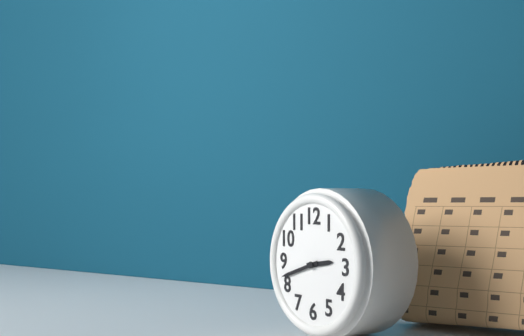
h=2 m=42
